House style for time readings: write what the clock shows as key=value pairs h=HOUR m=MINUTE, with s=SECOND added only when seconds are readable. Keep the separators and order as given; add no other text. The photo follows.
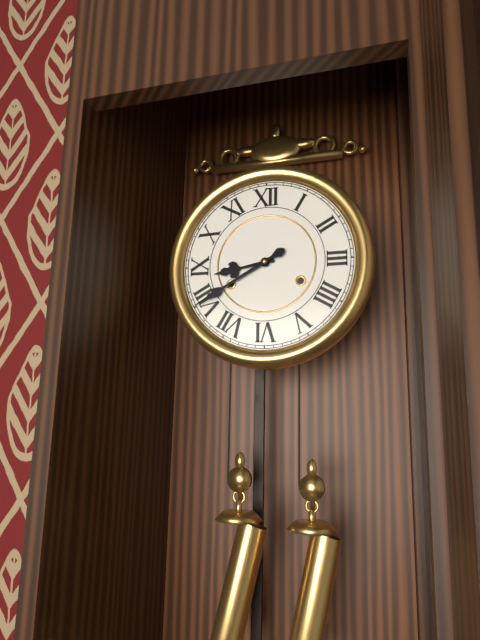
h=8 m=40
